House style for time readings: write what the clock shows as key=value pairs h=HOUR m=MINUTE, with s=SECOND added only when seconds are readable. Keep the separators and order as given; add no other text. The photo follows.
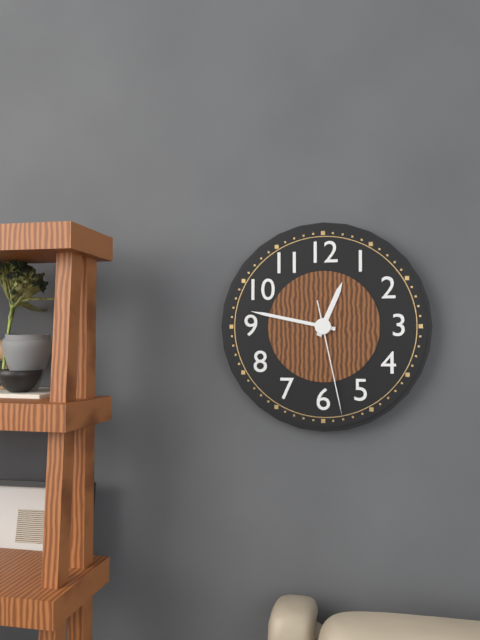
h=12 m=47 s=28
